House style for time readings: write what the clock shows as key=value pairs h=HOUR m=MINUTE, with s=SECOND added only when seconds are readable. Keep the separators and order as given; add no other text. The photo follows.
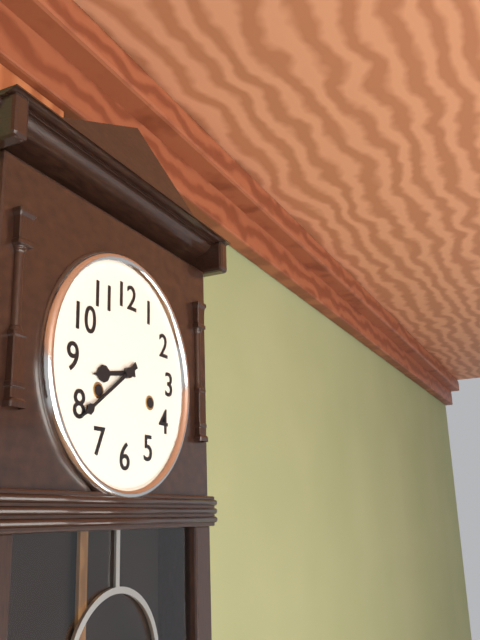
h=8 m=39
